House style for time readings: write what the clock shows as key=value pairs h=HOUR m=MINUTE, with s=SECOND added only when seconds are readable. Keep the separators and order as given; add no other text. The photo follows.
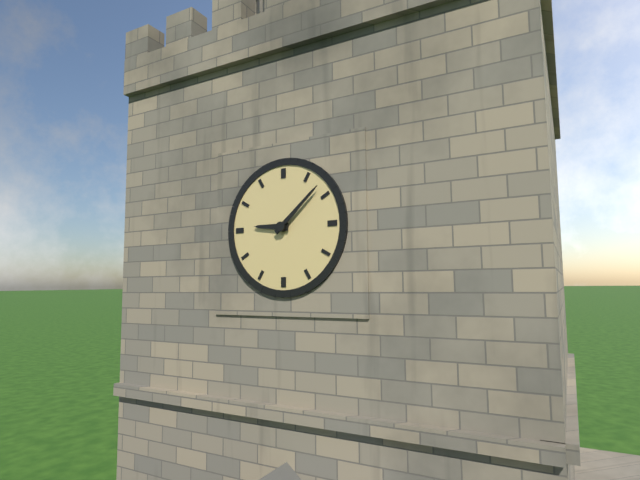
h=9 m=8
